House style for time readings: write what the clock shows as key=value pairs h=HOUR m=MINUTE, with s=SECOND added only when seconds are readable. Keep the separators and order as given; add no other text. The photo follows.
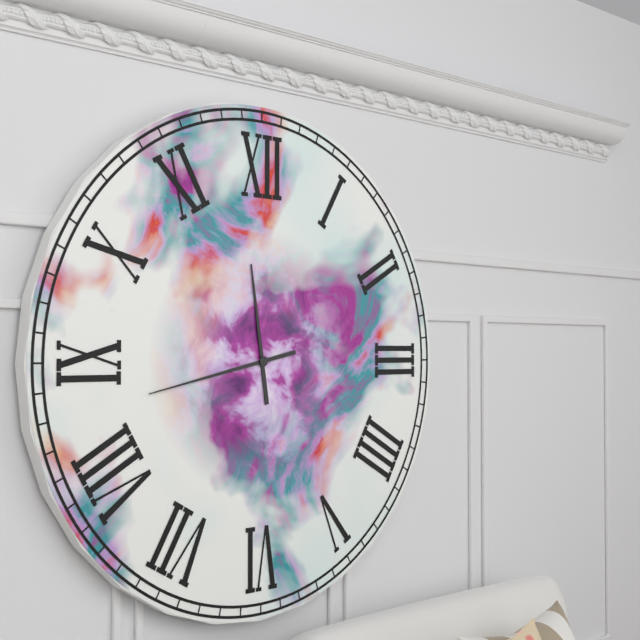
h=11 m=43
